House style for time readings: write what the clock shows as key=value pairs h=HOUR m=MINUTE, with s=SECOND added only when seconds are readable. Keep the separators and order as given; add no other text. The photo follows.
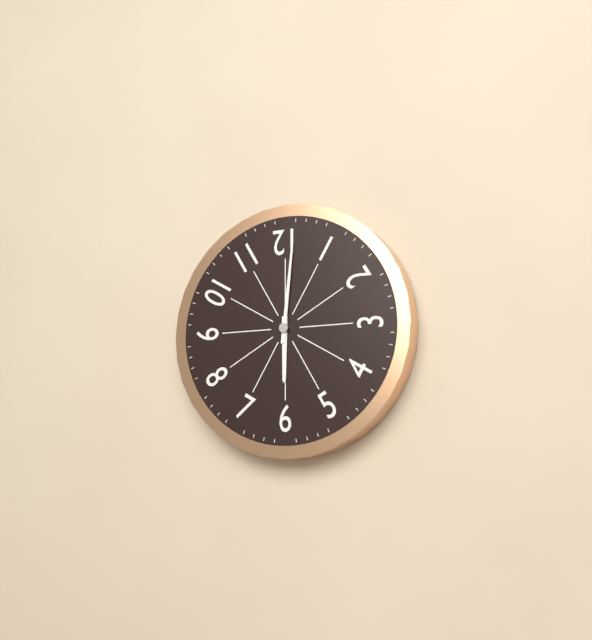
h=6 m=1
